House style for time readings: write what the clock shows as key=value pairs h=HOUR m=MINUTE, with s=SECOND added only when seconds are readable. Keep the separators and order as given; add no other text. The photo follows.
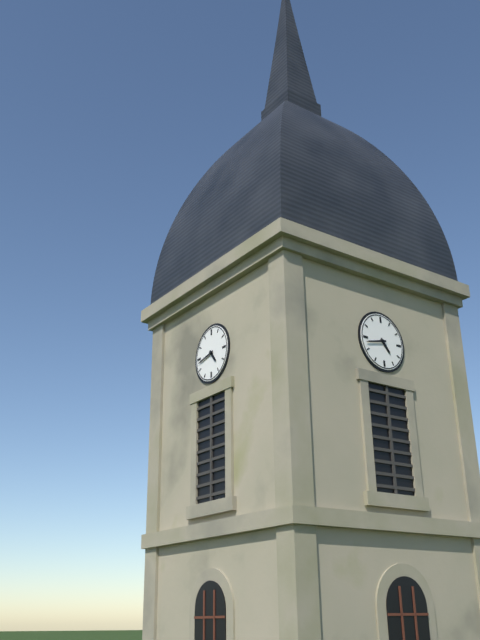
h=4 m=43
